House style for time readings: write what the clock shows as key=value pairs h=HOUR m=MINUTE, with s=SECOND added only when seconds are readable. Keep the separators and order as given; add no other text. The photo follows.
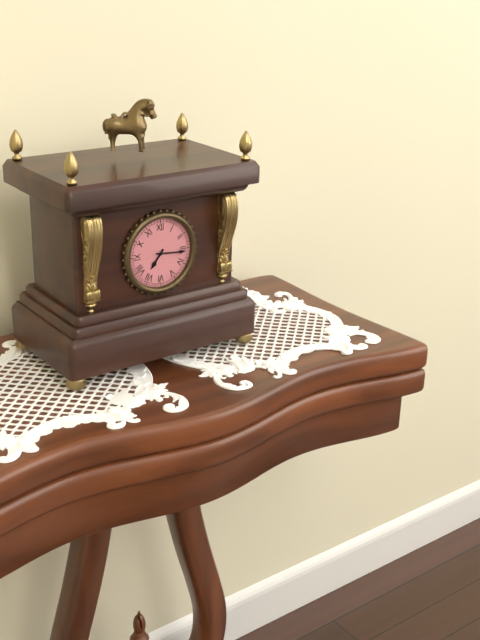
h=7 m=16
